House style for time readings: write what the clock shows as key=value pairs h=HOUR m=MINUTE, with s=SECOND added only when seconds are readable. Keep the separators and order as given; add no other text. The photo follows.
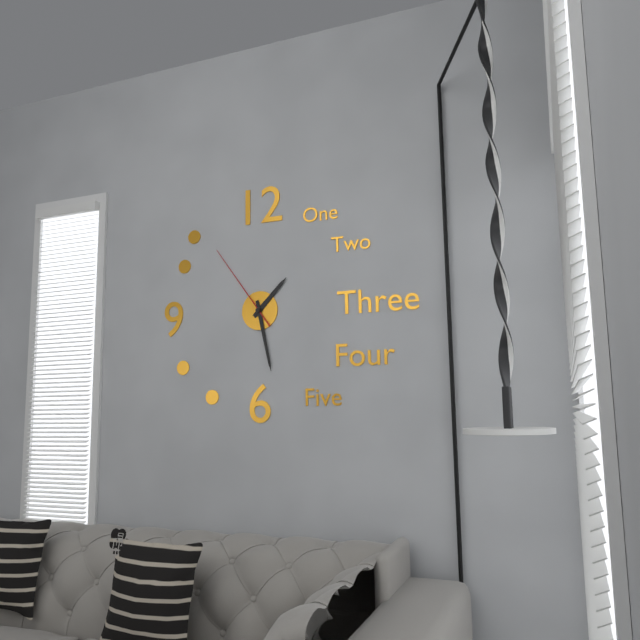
h=1 m=28 s=54
